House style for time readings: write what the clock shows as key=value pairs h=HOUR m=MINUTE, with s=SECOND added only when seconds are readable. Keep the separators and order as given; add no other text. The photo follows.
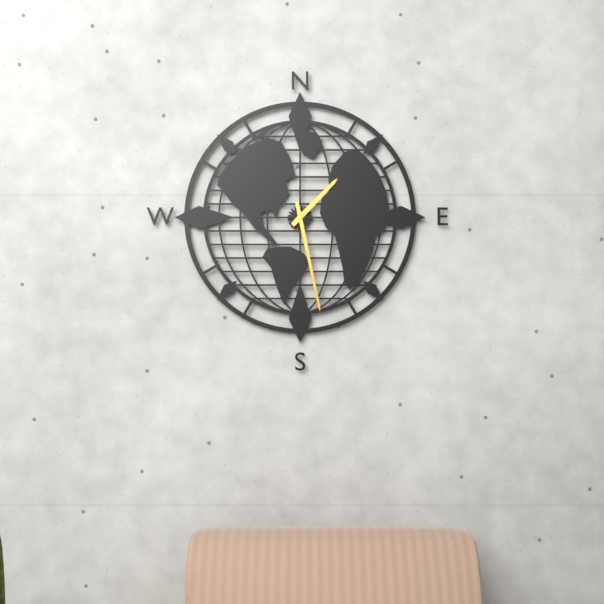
h=1 m=28
